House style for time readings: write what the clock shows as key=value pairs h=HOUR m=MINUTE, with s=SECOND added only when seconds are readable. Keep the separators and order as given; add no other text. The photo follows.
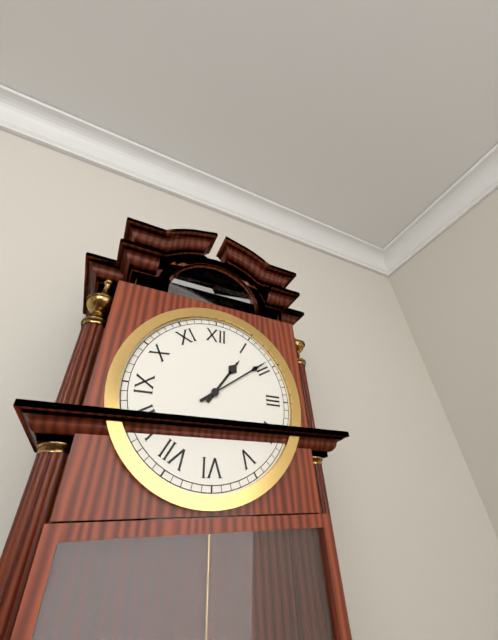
h=1 m=9
